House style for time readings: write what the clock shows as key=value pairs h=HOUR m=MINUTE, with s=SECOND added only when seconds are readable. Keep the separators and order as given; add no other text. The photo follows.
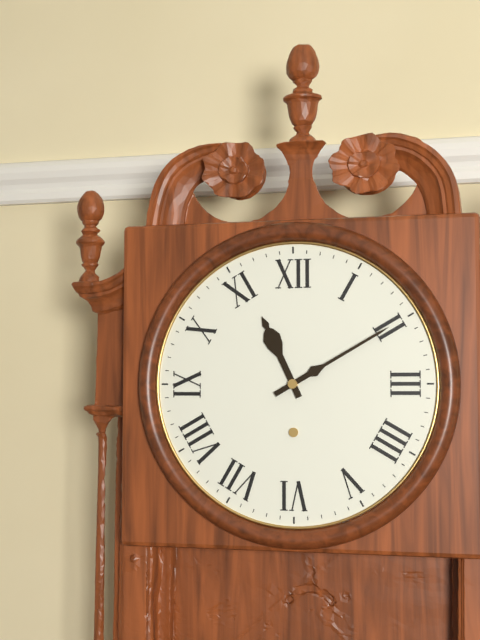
h=11 m=10
